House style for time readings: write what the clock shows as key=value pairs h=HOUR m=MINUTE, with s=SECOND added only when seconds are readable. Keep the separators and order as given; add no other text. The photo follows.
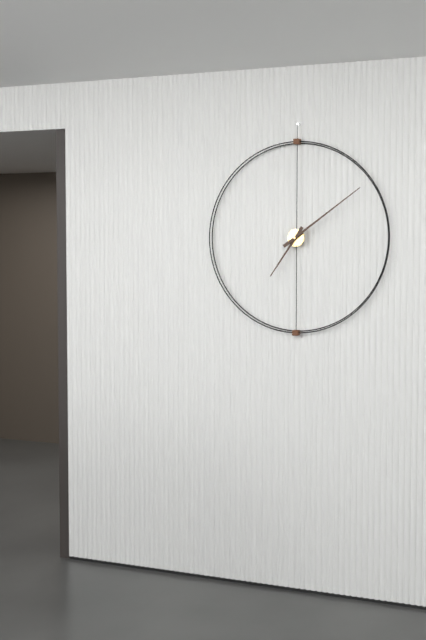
h=7 m=9
